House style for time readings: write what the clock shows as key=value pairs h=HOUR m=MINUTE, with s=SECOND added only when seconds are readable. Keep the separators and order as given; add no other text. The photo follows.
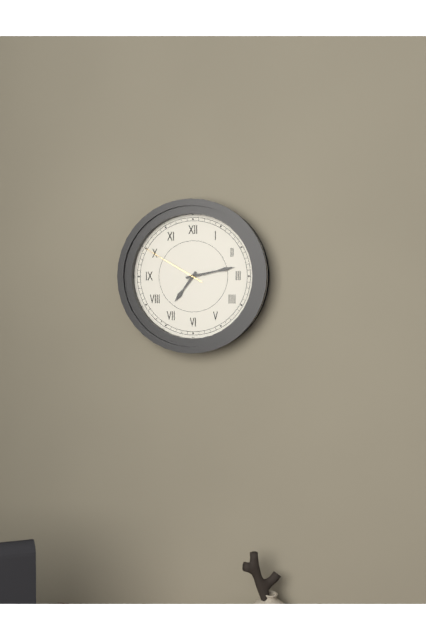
h=7 m=13 s=50
